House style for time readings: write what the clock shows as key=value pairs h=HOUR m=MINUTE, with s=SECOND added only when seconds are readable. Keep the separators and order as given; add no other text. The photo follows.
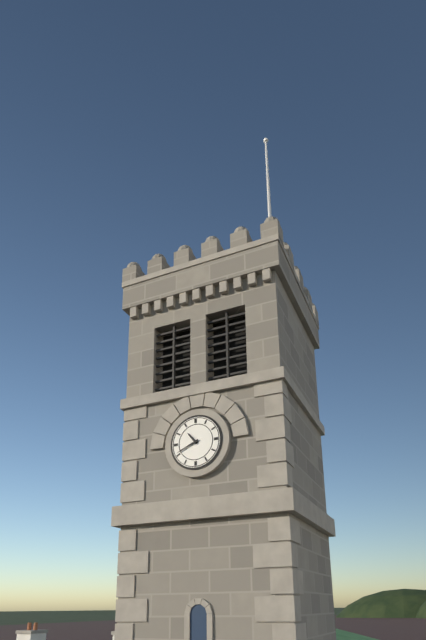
h=10 m=41
